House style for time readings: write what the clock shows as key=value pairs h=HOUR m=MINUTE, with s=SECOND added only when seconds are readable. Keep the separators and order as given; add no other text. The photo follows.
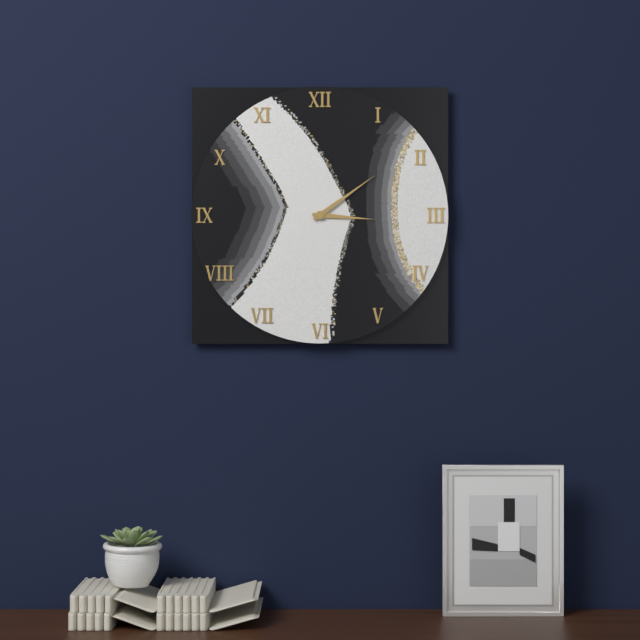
h=3 m=9
